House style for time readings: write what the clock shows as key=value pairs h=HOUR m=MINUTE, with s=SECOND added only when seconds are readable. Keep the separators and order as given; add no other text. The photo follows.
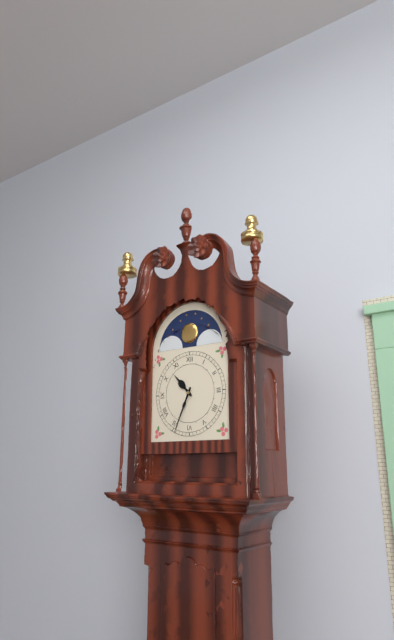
h=10 m=34
